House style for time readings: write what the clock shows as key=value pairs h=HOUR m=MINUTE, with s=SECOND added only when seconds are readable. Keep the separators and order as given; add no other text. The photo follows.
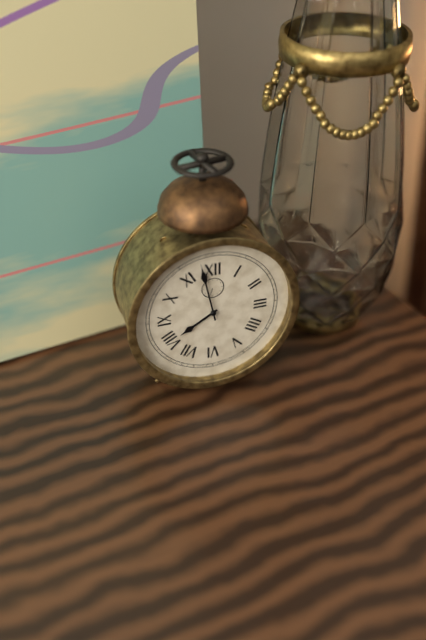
h=7 m=58
